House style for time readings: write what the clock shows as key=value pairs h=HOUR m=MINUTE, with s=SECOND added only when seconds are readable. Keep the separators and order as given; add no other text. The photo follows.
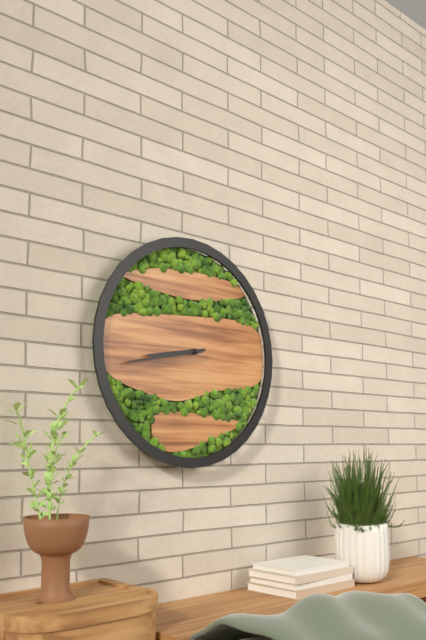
h=8 m=43
